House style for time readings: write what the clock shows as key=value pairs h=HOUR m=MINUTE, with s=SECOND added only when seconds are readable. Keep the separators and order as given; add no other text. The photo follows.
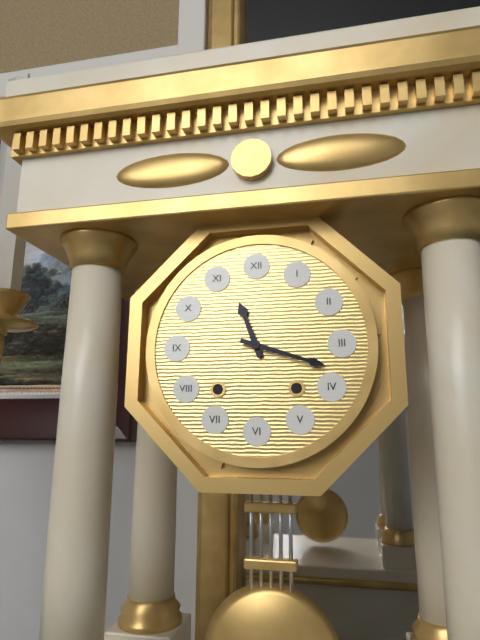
h=11 m=18
